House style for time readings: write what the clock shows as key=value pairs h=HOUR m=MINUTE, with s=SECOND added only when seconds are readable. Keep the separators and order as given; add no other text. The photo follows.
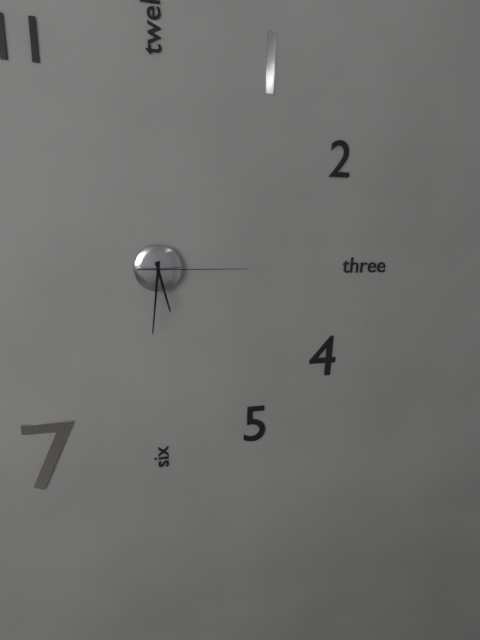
h=5 m=31 s=15
